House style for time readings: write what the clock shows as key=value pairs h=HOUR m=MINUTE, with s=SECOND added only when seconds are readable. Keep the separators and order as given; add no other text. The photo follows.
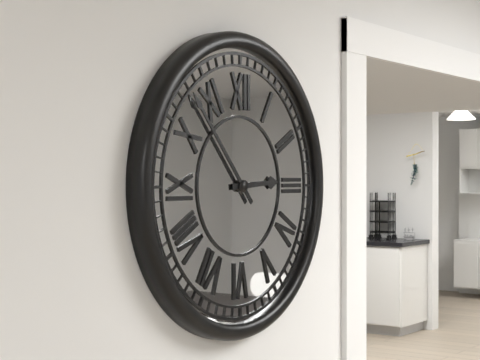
h=2 m=53
